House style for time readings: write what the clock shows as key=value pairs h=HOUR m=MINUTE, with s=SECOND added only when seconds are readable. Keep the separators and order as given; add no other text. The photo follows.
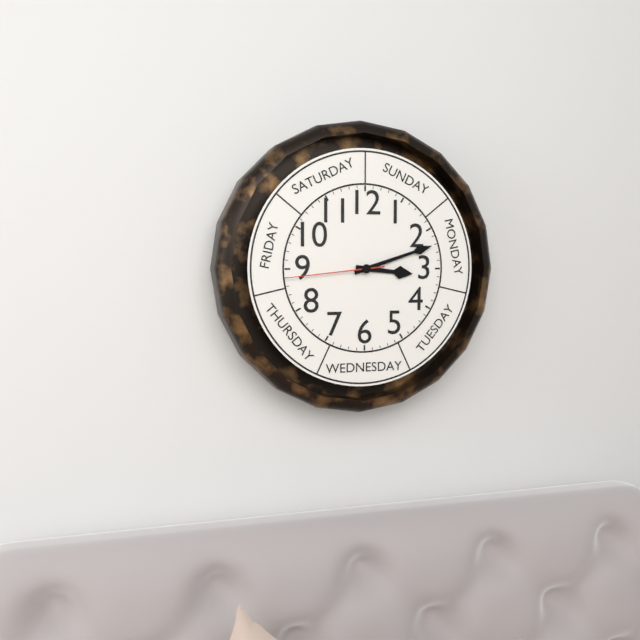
h=3 m=12 s=44
